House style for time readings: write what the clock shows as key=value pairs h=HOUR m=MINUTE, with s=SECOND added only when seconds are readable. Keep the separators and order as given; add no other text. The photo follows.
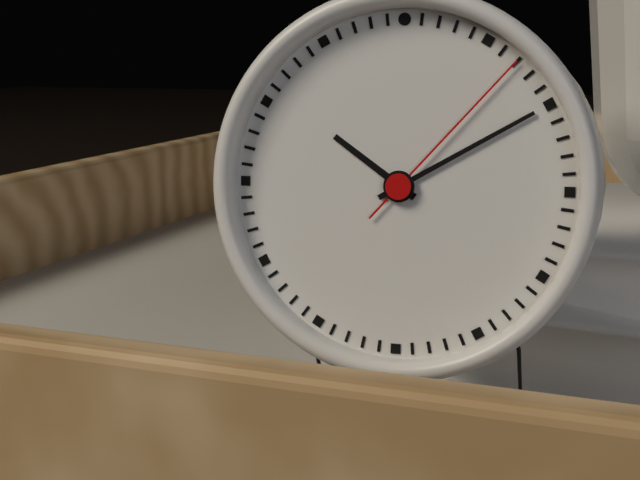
h=10 m=10 s=7
